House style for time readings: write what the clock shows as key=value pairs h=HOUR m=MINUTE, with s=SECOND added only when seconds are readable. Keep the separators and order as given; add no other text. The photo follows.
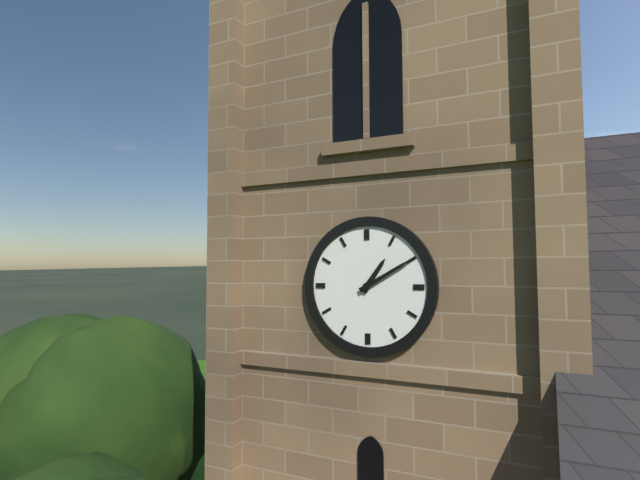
h=1 m=10
